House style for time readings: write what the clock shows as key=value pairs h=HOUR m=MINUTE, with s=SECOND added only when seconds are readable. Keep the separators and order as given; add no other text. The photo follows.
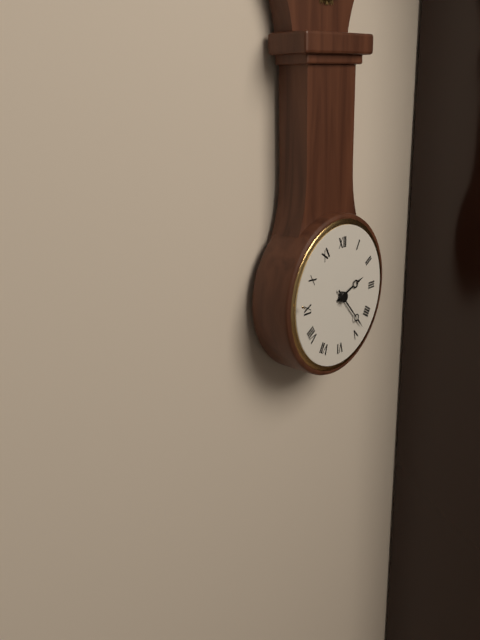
h=2 m=23
